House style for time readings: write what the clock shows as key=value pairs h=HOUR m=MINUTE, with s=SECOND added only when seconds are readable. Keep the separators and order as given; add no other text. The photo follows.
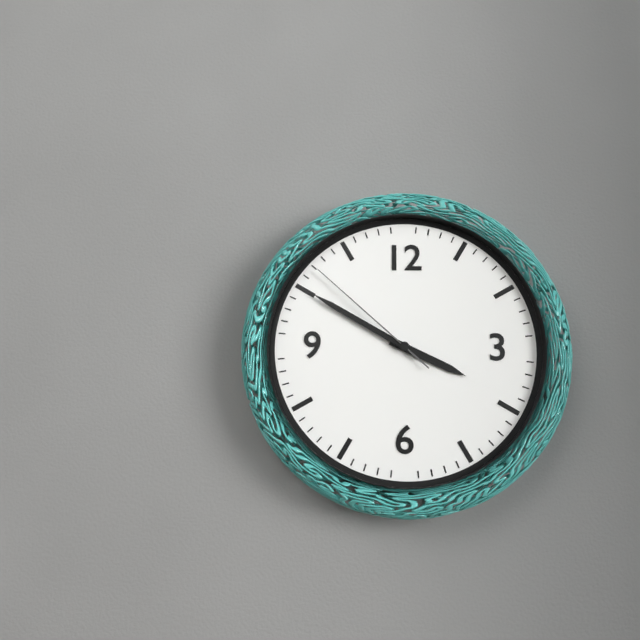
h=3 m=50 s=52
